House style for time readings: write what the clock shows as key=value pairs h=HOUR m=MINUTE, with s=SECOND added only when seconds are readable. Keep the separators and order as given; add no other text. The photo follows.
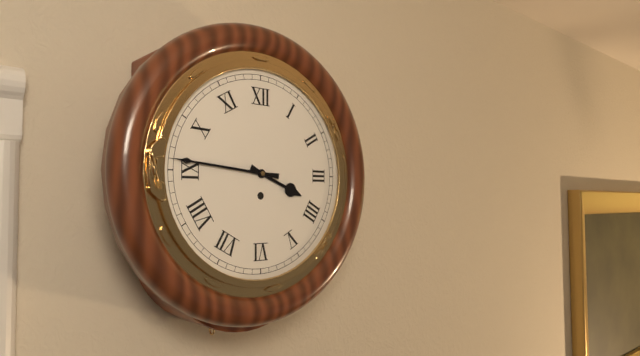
h=3 m=46
